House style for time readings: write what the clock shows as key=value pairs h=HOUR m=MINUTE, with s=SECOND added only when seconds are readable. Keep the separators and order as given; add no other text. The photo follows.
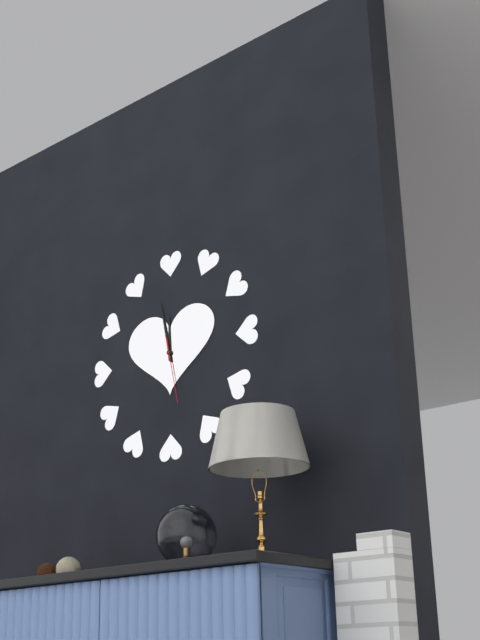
h=11 m=58 s=28
